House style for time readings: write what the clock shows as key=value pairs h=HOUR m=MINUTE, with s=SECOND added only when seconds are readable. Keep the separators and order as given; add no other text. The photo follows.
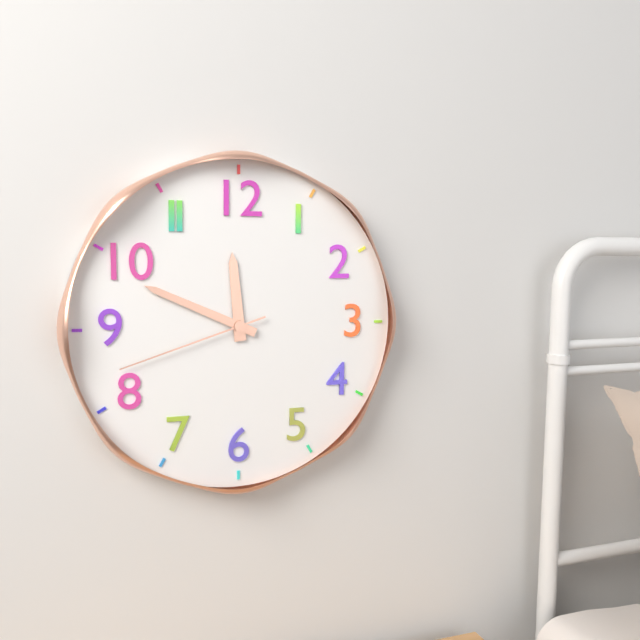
h=11 m=49 s=42
